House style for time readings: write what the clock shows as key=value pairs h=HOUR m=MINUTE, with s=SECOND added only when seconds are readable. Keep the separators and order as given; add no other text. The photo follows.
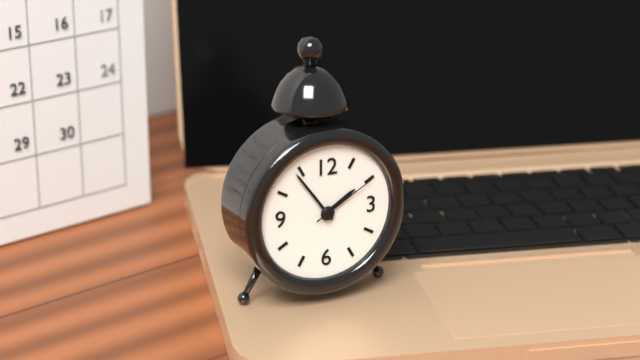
h=1 m=54 s=10
